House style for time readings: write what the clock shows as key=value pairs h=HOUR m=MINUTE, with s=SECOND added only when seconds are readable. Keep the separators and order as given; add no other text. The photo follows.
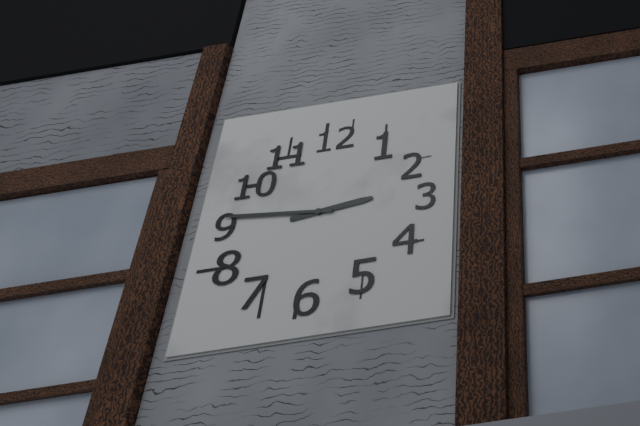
h=2 m=46
